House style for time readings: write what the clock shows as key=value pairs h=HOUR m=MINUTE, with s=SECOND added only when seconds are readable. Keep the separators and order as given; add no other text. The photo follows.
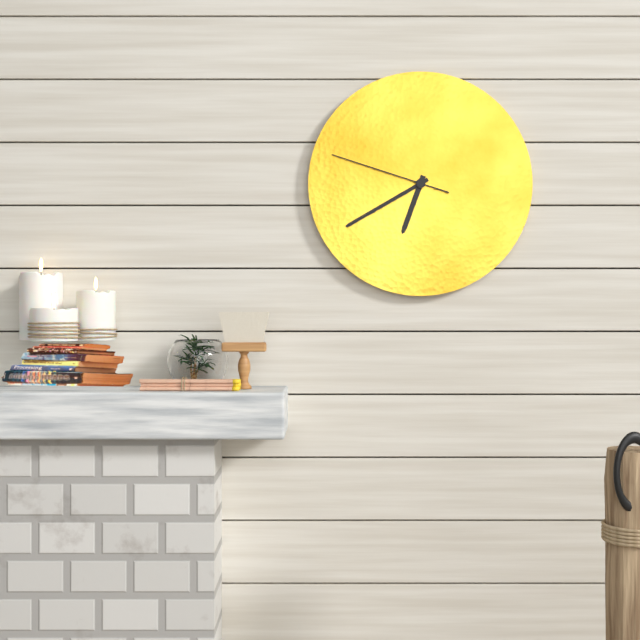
h=6 m=40 s=48
